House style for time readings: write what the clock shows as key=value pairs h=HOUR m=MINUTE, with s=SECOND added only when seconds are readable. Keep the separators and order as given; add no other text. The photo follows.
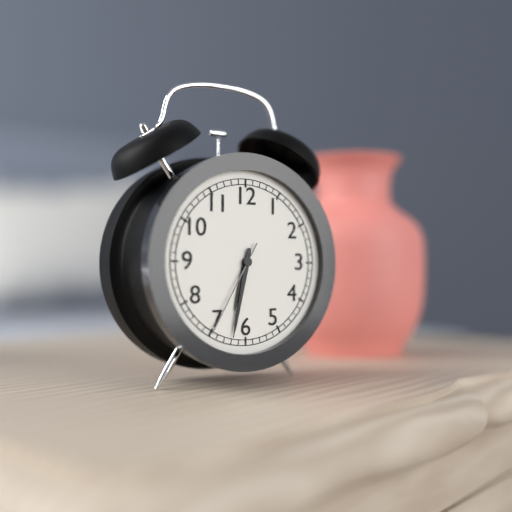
h=6 m=32 s=35
